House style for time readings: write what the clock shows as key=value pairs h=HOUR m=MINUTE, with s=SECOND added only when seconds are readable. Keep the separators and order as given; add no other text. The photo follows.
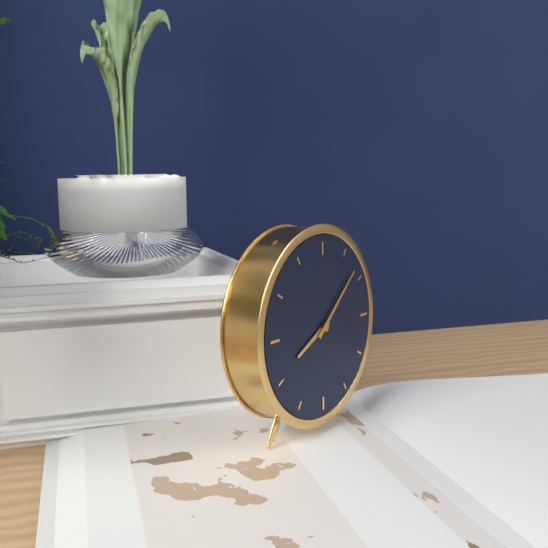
h=8 m=8
